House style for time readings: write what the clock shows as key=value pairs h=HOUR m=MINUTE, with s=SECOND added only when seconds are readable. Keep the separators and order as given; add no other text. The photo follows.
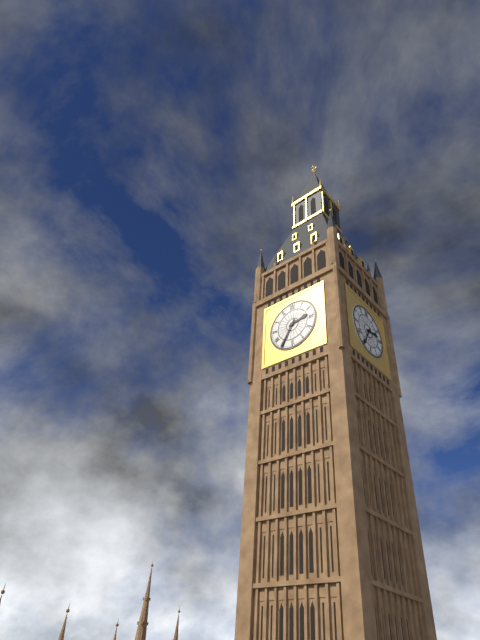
h=2 m=35
